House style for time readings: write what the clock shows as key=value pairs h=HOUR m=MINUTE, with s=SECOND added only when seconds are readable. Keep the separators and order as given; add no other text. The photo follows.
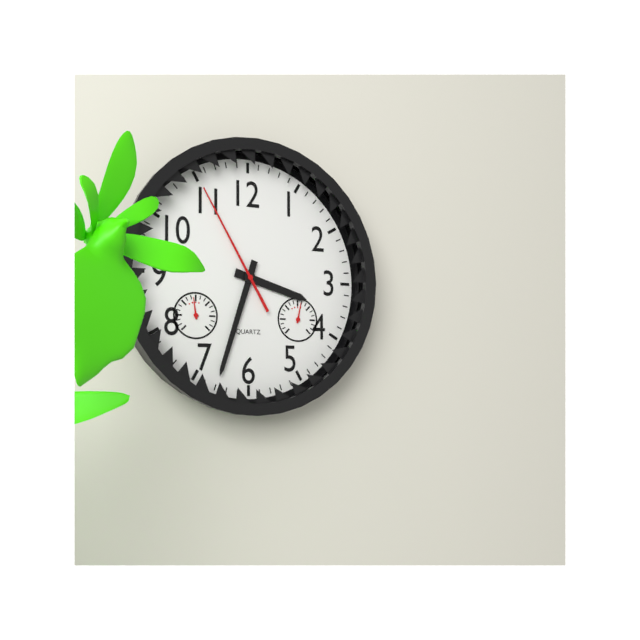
h=3 m=33 s=55
